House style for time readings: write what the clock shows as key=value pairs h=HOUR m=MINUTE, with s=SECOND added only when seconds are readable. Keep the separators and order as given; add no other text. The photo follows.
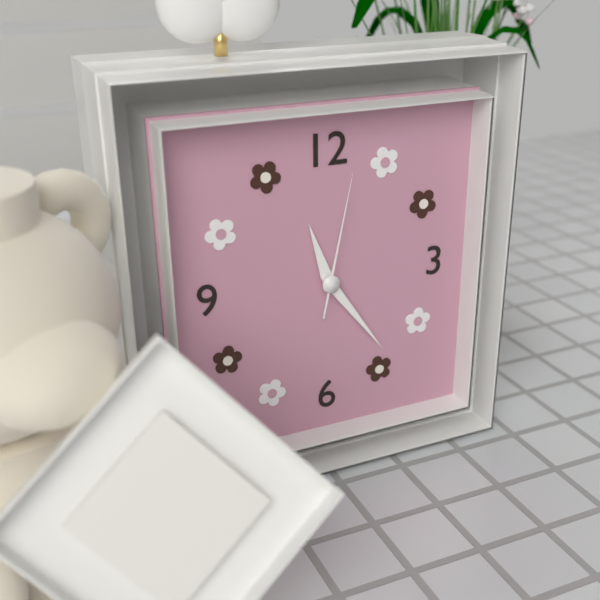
h=11 m=24 s=2
